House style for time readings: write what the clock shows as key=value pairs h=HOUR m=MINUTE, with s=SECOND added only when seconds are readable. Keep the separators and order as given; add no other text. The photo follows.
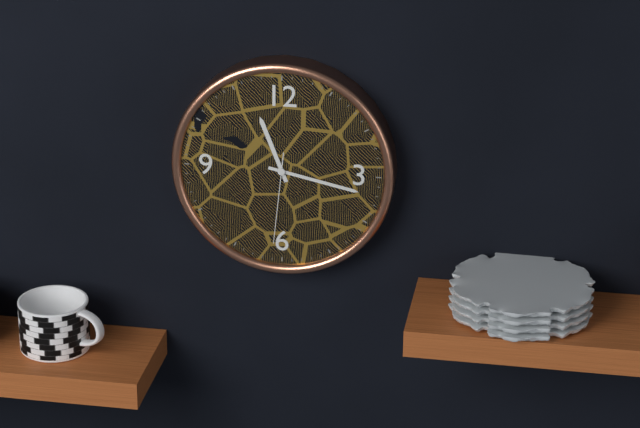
h=11 m=17 s=31
